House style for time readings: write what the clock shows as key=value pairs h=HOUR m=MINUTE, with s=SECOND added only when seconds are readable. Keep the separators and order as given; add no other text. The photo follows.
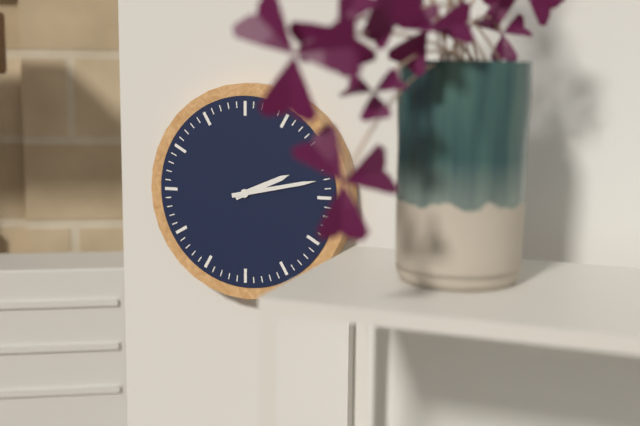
h=2 m=13
